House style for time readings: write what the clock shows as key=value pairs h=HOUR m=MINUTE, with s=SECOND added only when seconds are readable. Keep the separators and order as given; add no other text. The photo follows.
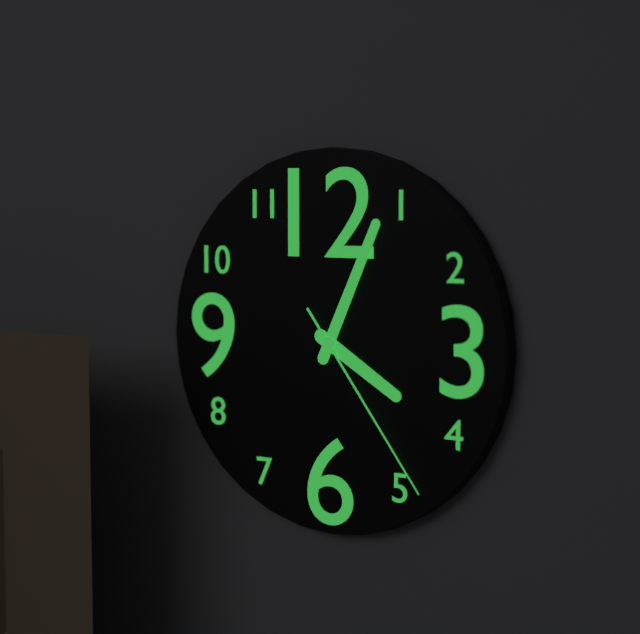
h=4 m=4 s=24
